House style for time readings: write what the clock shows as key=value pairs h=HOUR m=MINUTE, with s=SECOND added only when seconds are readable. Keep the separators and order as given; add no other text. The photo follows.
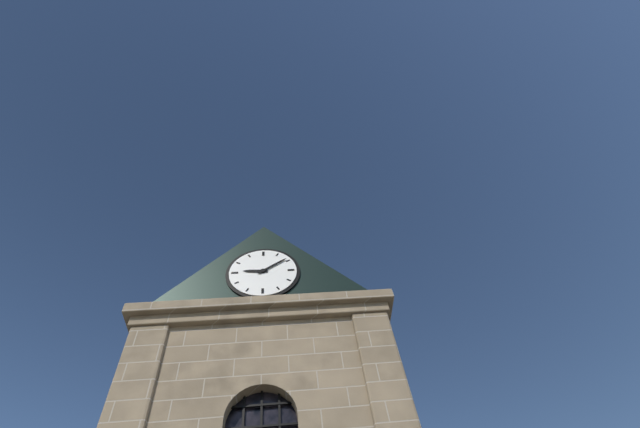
h=9 m=9
